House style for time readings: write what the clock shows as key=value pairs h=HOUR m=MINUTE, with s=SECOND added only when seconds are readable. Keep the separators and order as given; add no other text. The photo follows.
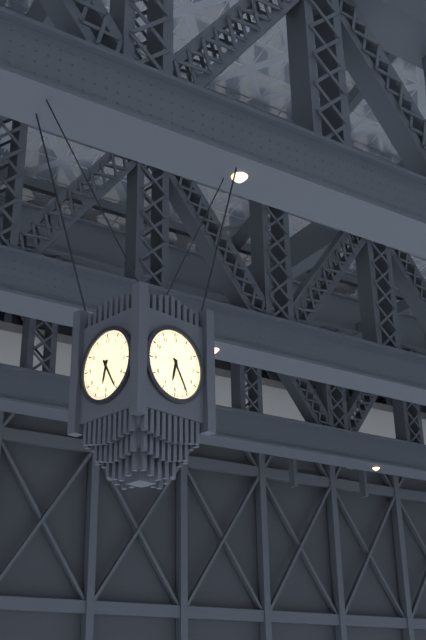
h=6 m=25
